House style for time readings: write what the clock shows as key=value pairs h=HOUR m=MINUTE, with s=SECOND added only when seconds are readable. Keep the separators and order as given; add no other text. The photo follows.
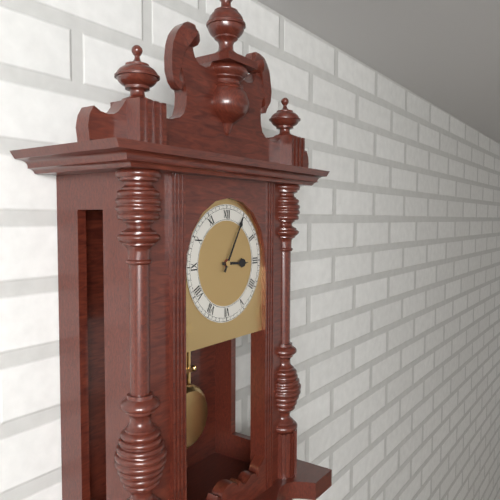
h=3 m=5
